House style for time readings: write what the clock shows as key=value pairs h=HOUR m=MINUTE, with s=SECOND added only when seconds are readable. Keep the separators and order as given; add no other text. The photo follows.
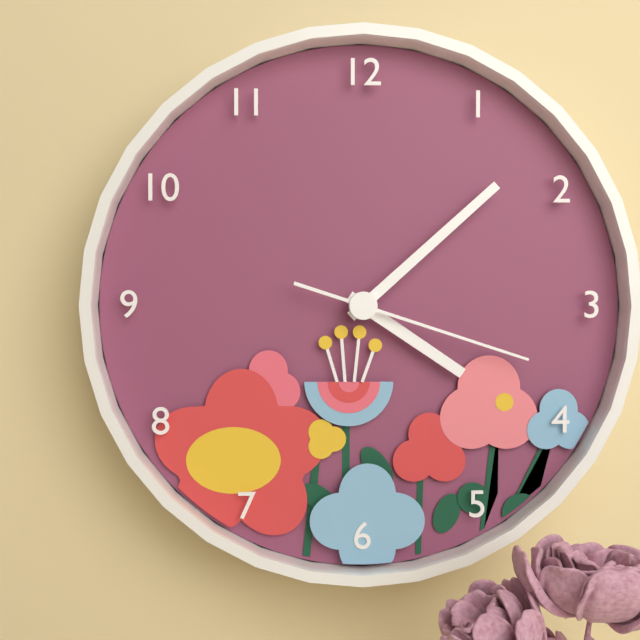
h=4 m=8 s=18
